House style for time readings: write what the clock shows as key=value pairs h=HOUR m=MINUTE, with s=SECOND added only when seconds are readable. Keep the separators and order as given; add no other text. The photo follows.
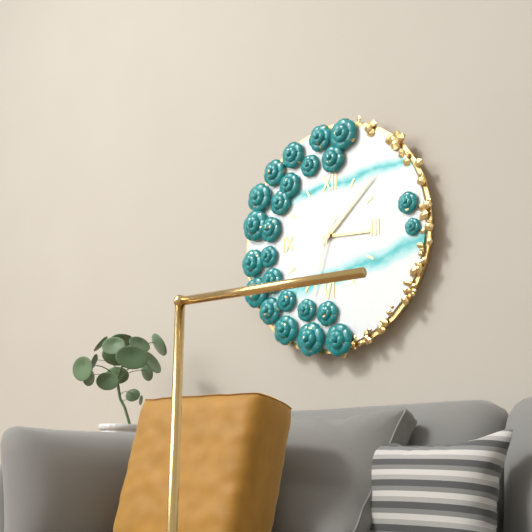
h=3 m=8 s=33
